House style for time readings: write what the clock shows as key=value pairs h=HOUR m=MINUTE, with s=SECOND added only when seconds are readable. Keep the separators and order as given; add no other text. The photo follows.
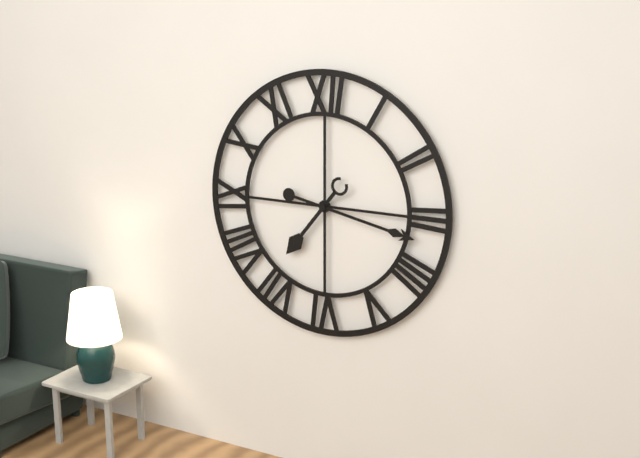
h=7 m=17
